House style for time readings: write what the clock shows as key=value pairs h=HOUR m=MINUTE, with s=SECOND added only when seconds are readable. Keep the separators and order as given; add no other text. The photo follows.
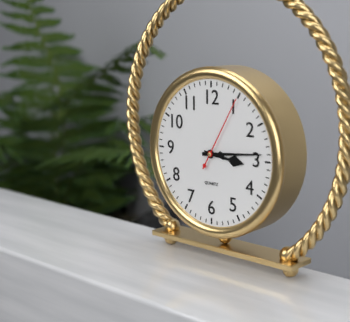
h=3 m=14 s=5
